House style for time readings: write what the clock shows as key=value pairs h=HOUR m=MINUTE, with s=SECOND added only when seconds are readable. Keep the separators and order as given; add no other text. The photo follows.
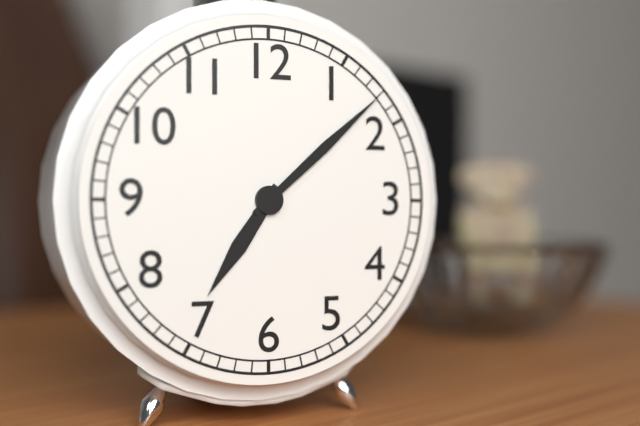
h=7 m=8
